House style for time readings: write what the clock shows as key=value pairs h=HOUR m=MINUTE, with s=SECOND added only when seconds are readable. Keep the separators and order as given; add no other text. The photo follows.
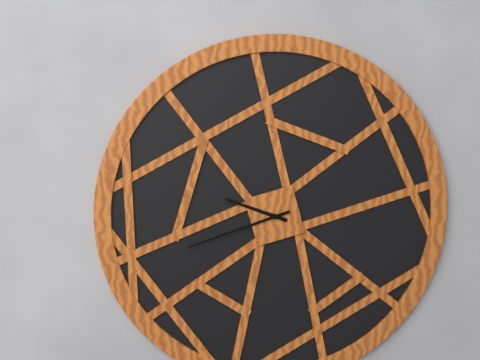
h=9 m=42
